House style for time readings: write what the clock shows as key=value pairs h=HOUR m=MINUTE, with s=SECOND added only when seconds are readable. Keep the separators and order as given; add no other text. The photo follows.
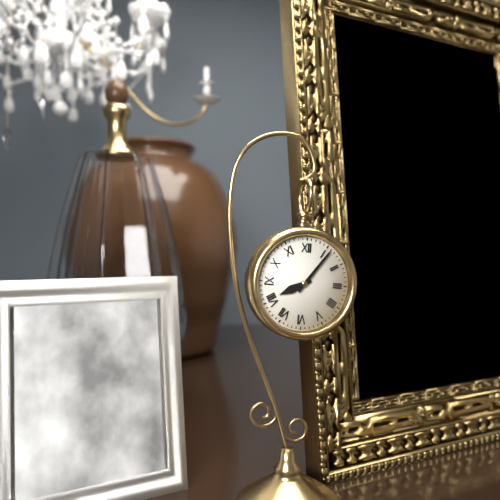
h=8 m=6
